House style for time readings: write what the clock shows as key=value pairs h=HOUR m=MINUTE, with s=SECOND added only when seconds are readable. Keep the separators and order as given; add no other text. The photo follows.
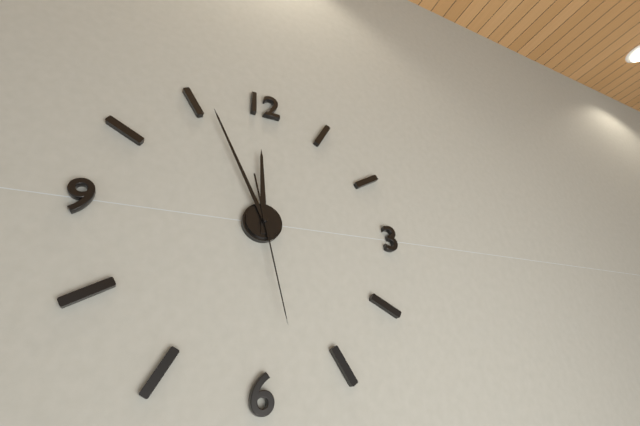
h=11 m=56 s=28
